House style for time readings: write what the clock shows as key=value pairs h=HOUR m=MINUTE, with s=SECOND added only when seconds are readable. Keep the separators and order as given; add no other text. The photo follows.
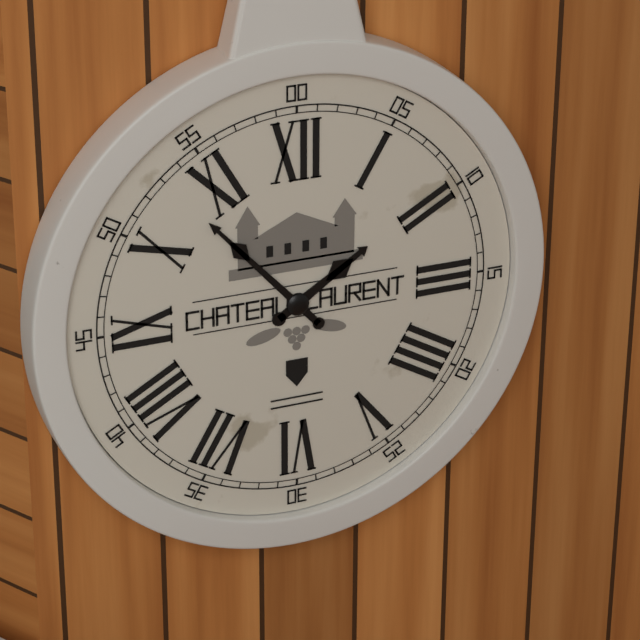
h=1 m=53
